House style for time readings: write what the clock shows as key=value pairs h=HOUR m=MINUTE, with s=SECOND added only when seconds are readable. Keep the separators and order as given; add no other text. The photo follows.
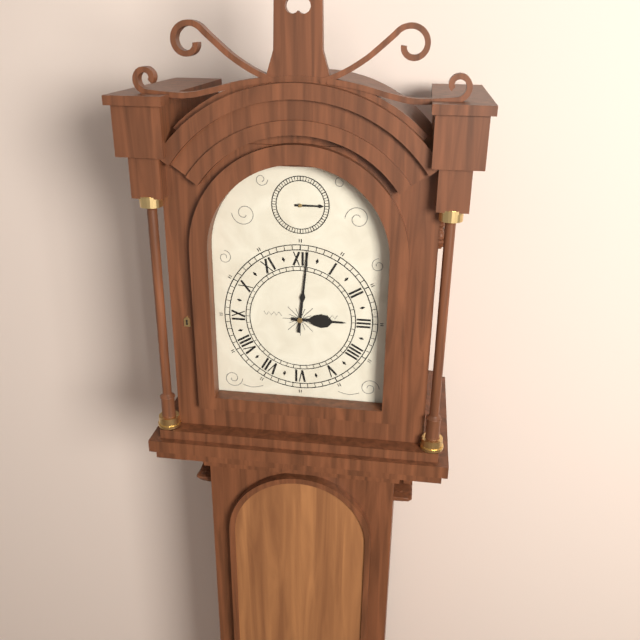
h=3 m=1
